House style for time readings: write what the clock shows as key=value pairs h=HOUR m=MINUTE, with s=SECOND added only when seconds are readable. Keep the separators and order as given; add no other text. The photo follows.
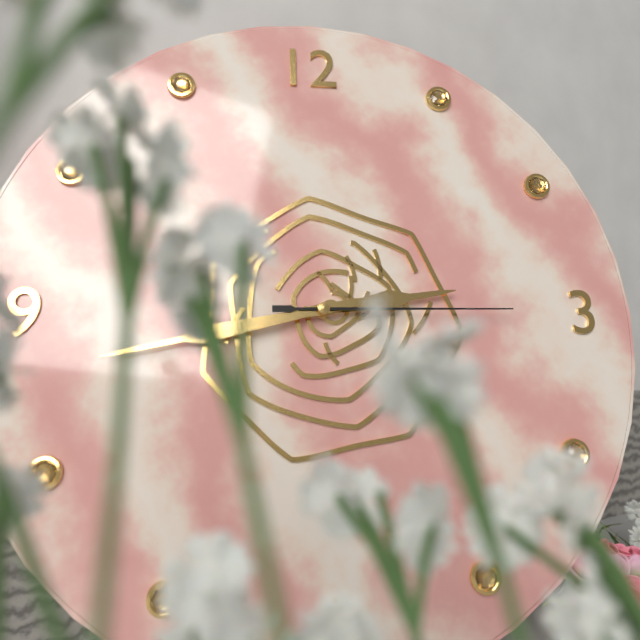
h=2 m=43 s=15
